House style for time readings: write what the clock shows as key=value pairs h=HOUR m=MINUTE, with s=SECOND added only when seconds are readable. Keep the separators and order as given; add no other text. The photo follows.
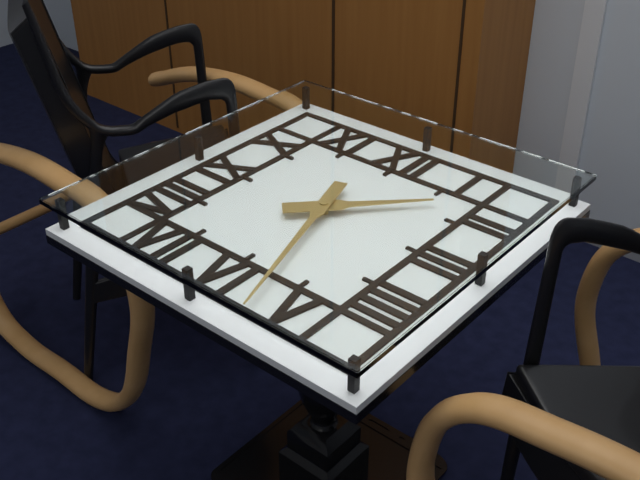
h=1 m=27
